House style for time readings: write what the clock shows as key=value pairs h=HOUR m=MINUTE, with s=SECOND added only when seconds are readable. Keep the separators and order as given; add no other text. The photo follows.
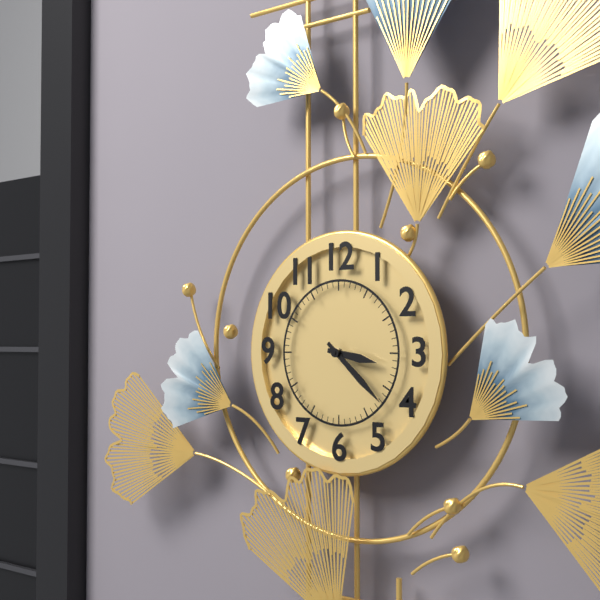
h=3 m=22
